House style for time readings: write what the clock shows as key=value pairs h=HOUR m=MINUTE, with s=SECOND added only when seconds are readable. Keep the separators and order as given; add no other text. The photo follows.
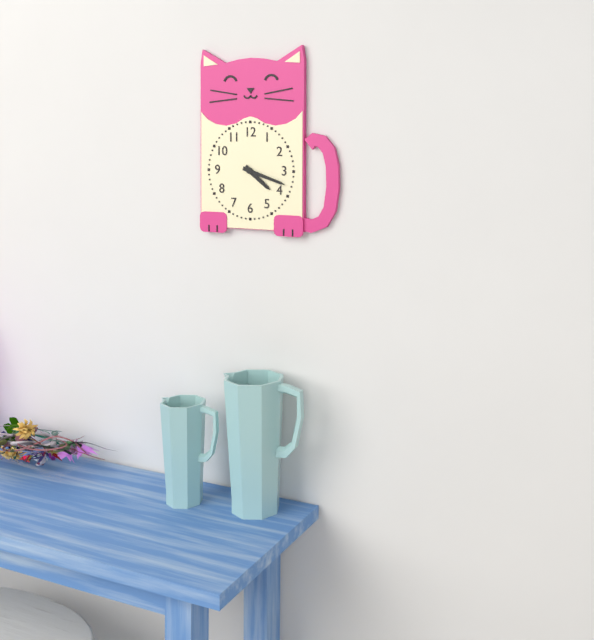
h=4 m=18
